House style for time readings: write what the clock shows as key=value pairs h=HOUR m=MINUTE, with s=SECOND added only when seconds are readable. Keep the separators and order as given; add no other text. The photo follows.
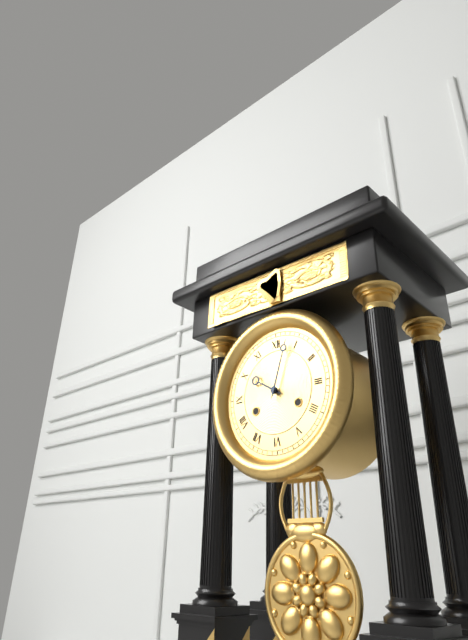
h=10 m=3
